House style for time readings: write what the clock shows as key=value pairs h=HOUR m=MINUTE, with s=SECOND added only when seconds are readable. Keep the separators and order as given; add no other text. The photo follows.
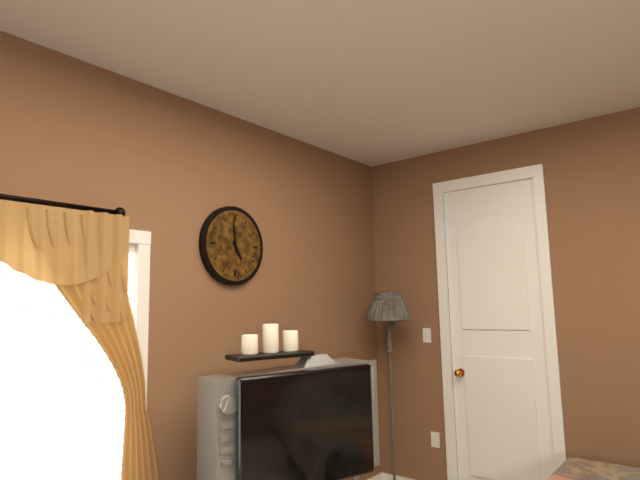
h=4 m=59
